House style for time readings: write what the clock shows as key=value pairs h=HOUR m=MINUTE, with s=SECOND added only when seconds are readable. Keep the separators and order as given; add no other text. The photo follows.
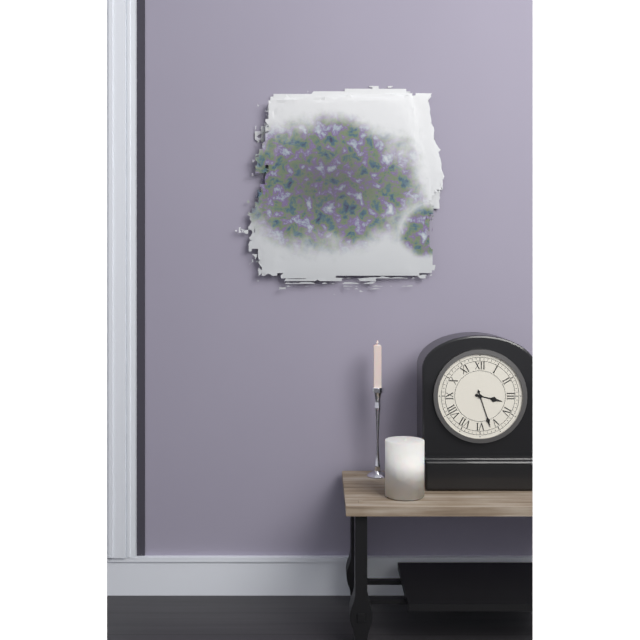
h=3 m=27
